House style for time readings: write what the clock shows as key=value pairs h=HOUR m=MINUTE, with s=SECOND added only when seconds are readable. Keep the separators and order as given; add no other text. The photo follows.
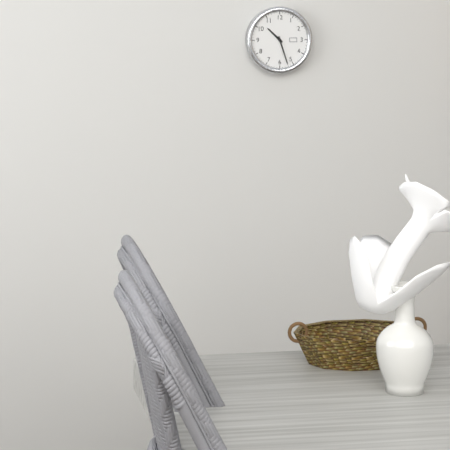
h=10 m=27
